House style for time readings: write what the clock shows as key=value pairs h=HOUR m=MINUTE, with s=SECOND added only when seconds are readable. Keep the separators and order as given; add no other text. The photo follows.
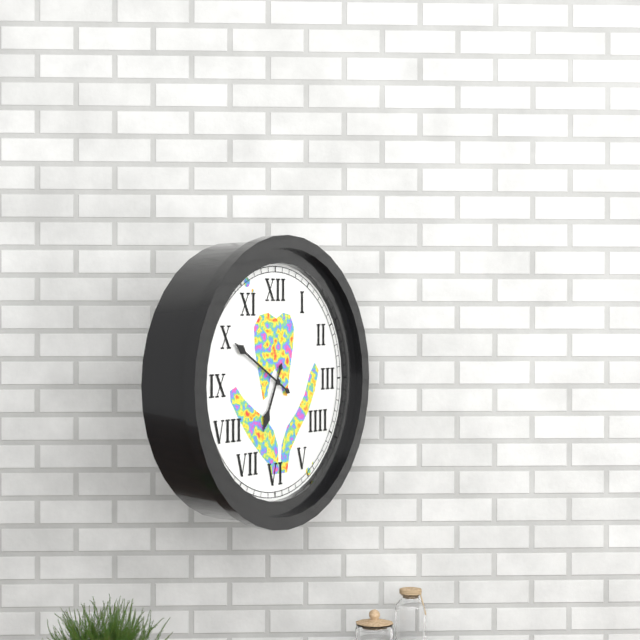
h=6 m=50
